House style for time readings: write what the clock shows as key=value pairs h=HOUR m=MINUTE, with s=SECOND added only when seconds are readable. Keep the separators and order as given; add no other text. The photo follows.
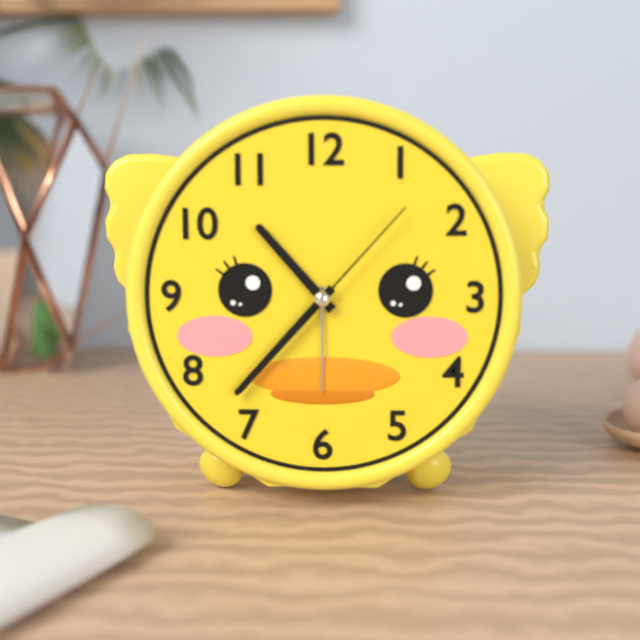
h=10 m=37 s=7
